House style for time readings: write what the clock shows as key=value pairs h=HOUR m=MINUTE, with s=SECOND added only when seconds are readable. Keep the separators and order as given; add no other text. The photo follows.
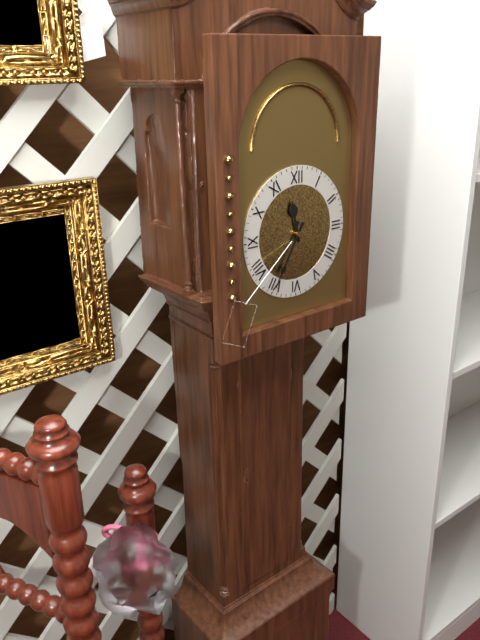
h=11 m=35
